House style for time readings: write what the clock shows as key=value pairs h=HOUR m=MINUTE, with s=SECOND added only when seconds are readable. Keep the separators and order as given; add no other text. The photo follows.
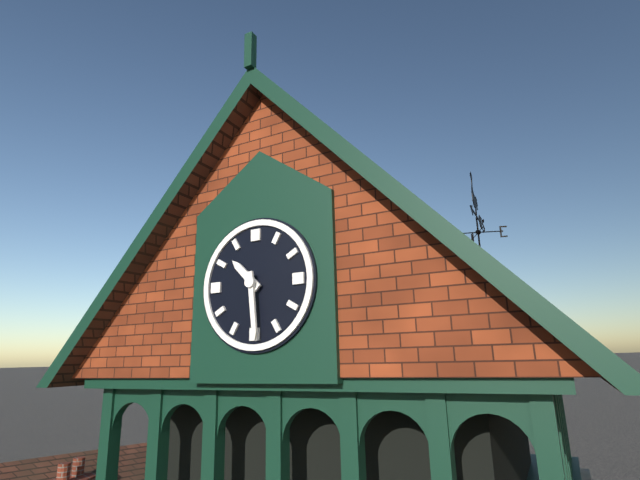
h=10 m=29
